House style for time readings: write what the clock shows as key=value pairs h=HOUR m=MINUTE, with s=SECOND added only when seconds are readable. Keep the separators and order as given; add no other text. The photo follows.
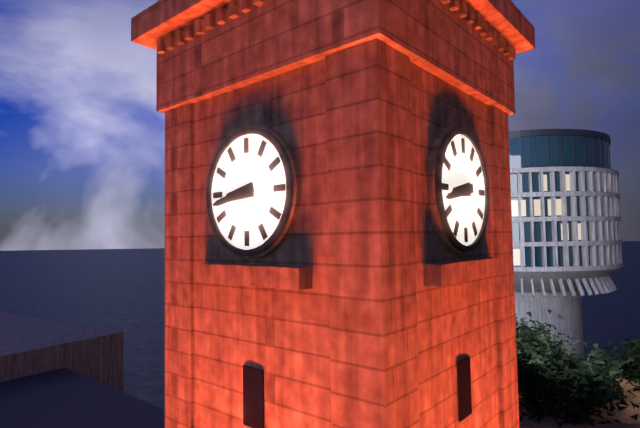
h=8 m=43
